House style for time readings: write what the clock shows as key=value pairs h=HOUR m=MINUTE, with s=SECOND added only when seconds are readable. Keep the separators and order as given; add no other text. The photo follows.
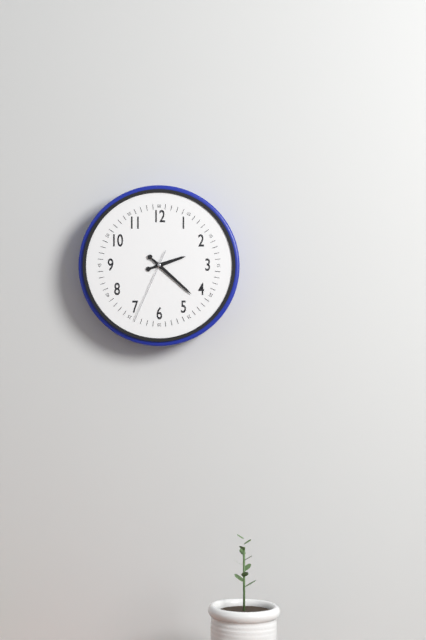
h=2 m=22 s=34
